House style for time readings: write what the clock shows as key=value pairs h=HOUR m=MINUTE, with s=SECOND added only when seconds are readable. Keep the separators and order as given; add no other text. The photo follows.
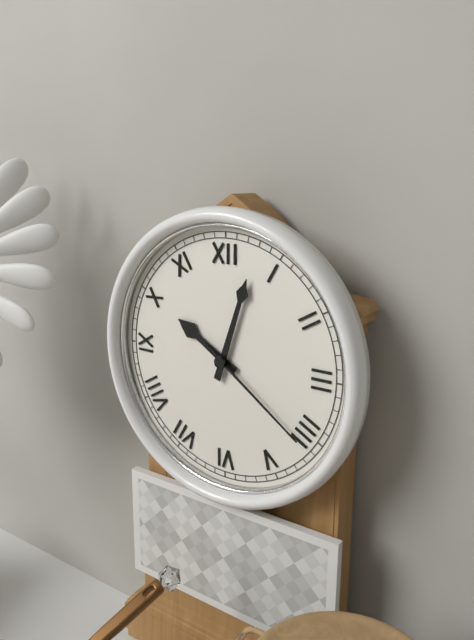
h=10 m=3 s=21
